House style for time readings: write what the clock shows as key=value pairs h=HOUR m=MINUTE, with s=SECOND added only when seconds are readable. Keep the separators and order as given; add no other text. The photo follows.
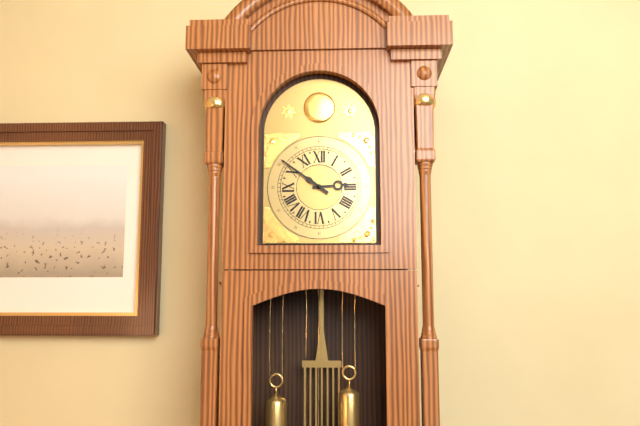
h=2 m=51
